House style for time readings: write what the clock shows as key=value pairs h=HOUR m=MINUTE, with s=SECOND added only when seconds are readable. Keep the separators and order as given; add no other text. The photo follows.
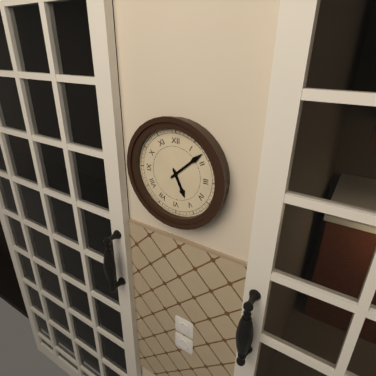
h=5 m=8
